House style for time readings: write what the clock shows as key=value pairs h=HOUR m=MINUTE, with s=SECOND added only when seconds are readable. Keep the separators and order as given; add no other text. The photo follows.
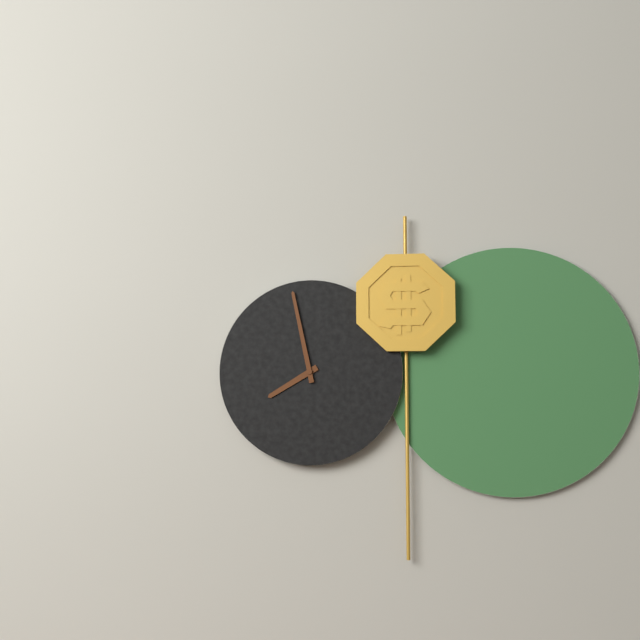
h=7 m=58
